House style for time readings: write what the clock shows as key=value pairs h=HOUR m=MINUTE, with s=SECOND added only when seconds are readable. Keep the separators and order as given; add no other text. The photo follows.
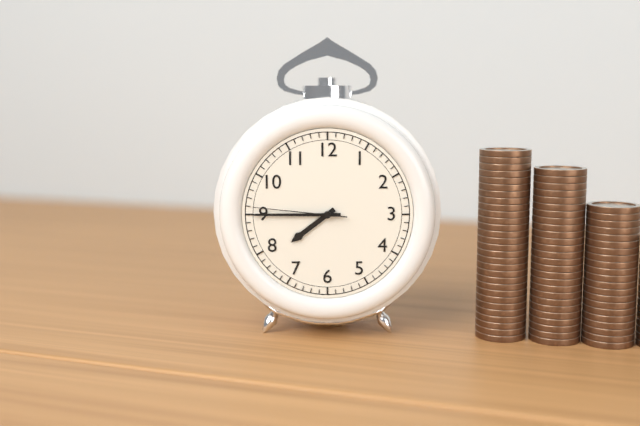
h=7 m=45 s=46
